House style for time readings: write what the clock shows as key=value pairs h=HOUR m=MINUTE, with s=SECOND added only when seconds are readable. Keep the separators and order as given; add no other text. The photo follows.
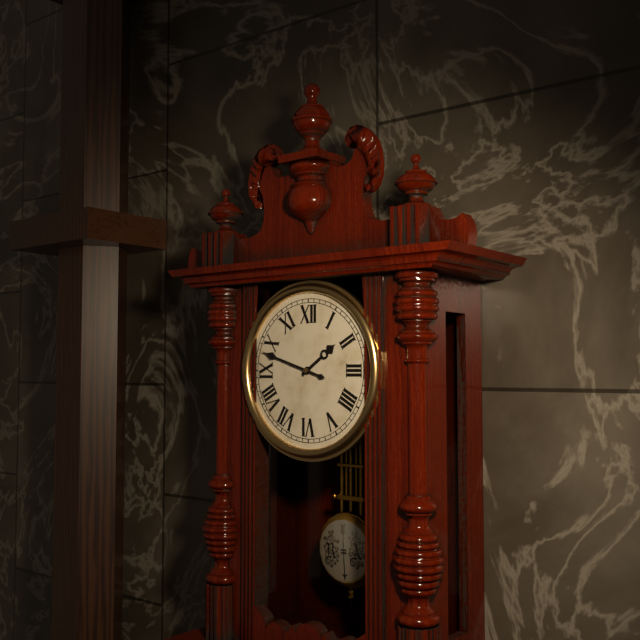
h=1 m=48
